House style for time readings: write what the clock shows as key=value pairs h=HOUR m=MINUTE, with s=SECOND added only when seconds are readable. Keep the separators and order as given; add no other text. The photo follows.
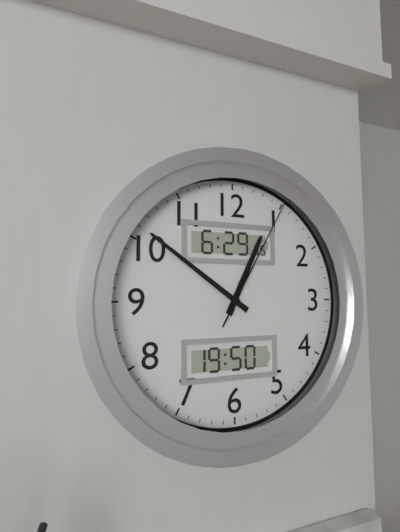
h=12 m=51 s=5
